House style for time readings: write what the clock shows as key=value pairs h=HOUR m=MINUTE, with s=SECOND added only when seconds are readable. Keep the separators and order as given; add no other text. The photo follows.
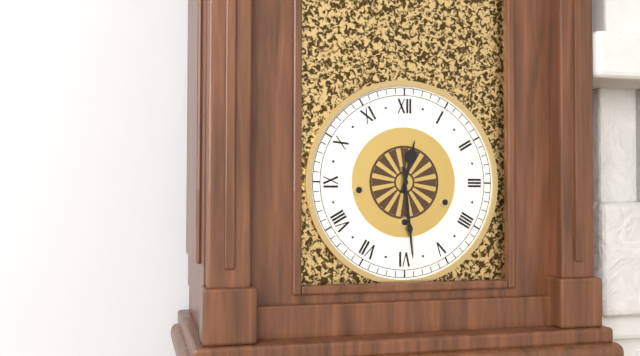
h=12 m=29
